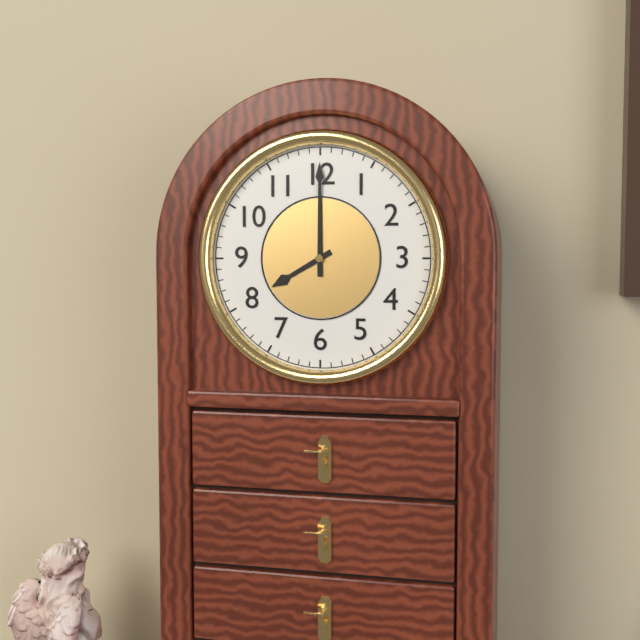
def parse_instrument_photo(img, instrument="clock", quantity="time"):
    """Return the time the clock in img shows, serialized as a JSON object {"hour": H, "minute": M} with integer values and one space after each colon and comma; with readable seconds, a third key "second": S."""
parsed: {"hour": 8, "minute": 0}
